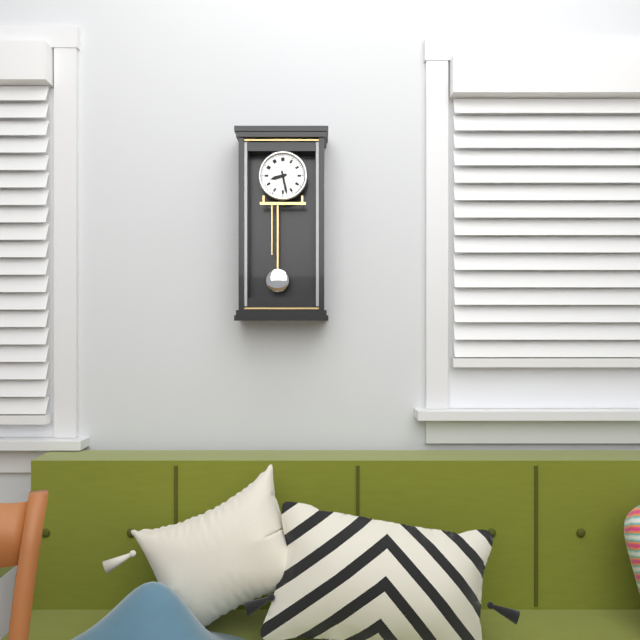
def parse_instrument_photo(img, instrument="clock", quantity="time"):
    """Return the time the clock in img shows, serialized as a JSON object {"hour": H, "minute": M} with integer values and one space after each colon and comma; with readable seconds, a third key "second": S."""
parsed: {"hour": 8, "minute": 28}
